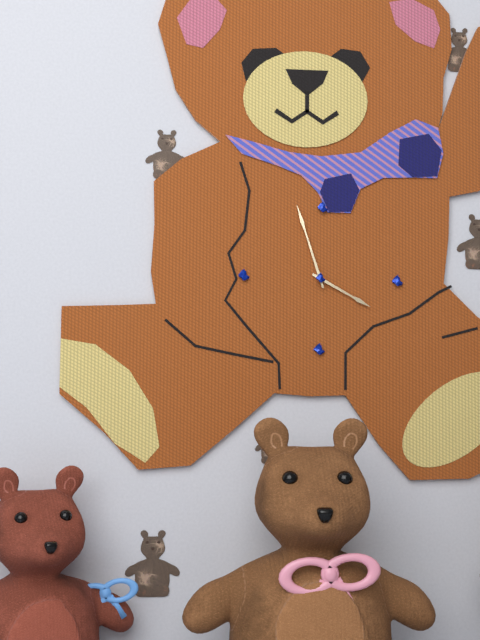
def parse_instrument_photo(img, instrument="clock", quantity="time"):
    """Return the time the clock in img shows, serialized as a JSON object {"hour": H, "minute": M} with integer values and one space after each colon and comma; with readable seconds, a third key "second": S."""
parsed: {"hour": 3, "minute": 57}
